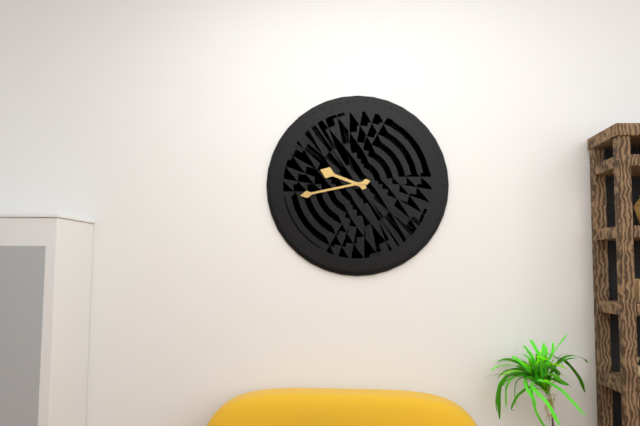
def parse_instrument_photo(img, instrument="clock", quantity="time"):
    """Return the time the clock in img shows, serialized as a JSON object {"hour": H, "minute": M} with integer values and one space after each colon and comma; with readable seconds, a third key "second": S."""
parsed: {"hour": 9, "minute": 43}
